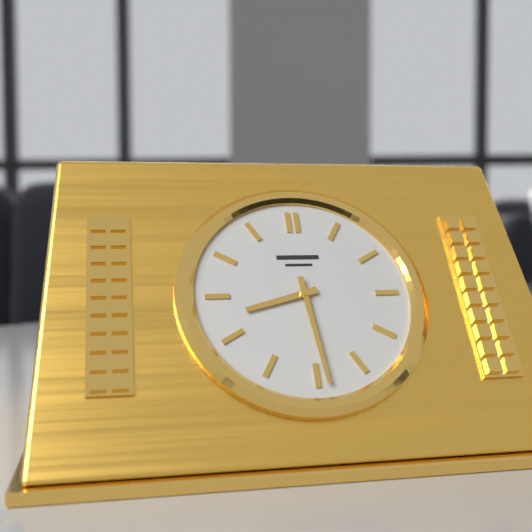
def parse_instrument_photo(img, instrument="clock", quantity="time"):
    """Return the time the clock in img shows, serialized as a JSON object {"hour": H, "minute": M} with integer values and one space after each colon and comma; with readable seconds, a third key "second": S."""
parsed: {"hour": 8, "minute": 29}
